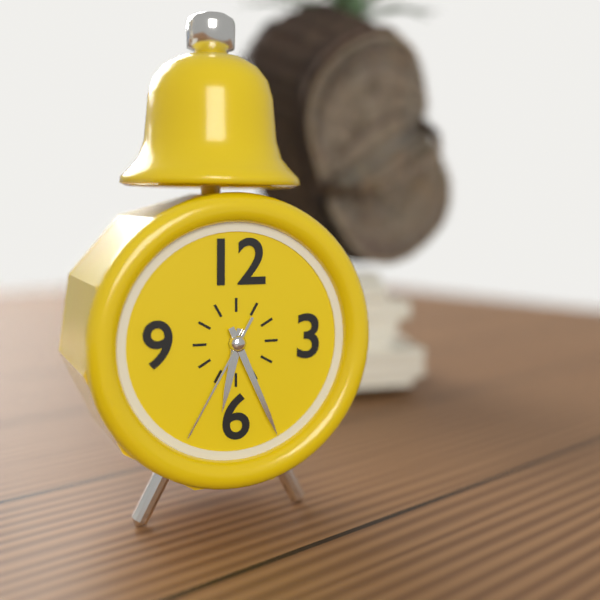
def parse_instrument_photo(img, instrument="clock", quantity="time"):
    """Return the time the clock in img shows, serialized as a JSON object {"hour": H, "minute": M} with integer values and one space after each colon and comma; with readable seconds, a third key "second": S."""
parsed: {"hour": 6, "minute": 26, "second": 35}
